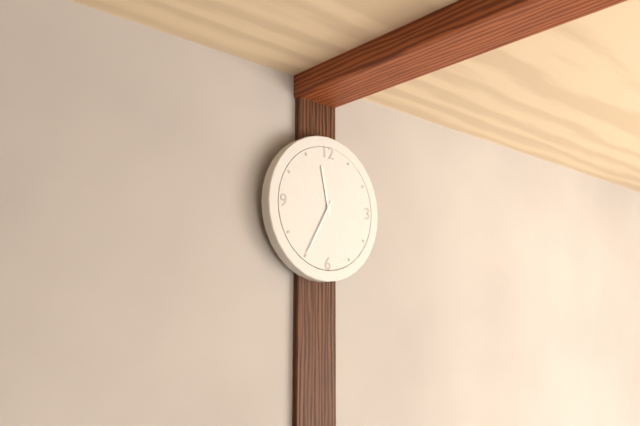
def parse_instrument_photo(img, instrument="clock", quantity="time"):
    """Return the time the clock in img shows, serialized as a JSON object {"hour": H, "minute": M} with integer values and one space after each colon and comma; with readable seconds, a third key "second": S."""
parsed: {"hour": 11, "minute": 35}
